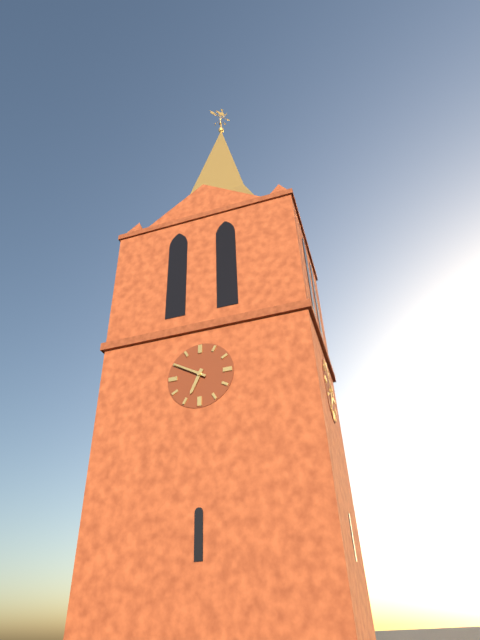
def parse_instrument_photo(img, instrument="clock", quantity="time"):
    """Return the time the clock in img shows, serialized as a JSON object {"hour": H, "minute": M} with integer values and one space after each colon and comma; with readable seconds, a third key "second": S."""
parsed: {"hour": 6, "minute": 50}
